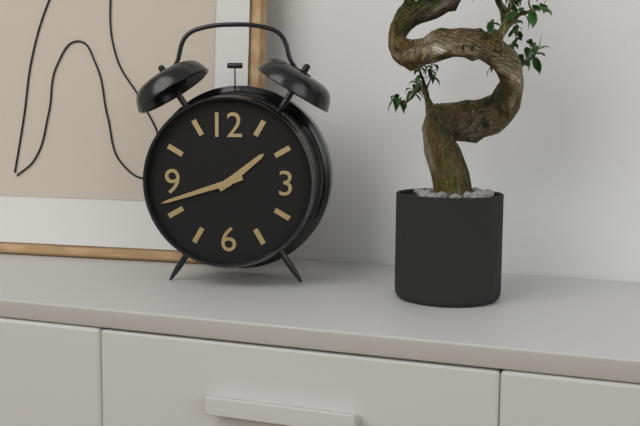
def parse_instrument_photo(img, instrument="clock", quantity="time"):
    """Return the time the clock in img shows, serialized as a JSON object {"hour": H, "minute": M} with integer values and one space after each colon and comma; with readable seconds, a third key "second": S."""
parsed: {"hour": 1, "minute": 42}
